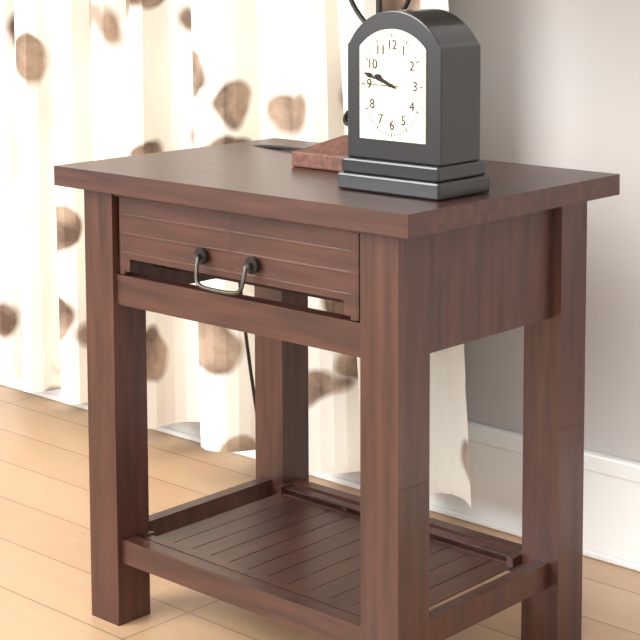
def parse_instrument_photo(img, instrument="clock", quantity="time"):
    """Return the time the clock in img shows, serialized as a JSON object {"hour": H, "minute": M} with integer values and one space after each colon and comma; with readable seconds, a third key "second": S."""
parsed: {"hour": 9, "minute": 48}
